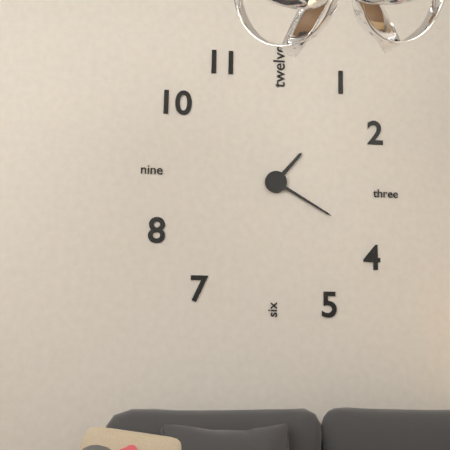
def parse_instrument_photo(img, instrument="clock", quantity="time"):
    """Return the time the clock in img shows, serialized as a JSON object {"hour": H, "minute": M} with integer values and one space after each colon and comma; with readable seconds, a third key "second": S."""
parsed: {"hour": 1, "minute": 20}
